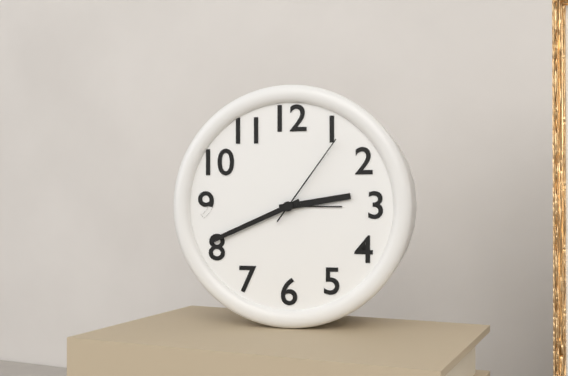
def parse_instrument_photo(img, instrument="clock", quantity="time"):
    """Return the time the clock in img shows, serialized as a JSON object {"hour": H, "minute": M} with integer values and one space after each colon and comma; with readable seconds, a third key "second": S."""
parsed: {"hour": 2, "minute": 41, "second": 6}
